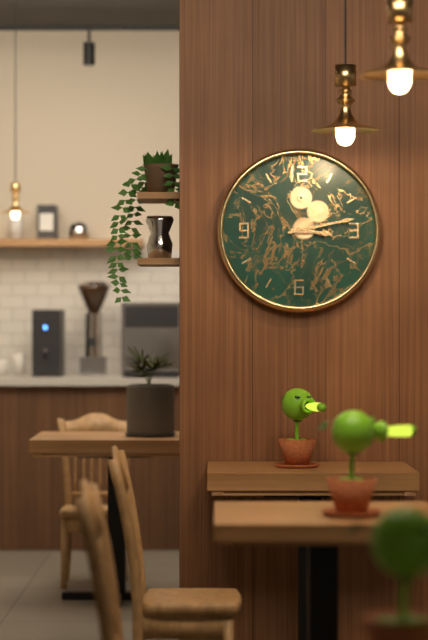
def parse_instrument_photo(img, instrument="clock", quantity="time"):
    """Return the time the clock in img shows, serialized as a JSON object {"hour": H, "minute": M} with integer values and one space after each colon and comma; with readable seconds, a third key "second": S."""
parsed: {"hour": 3, "minute": 13}
